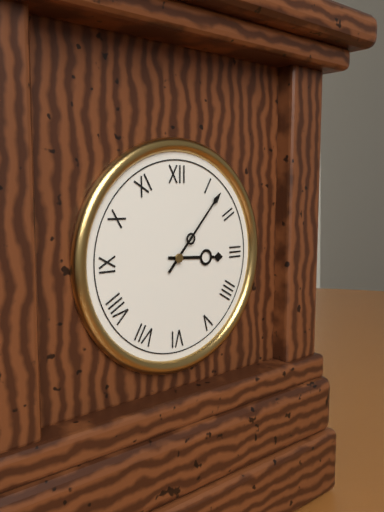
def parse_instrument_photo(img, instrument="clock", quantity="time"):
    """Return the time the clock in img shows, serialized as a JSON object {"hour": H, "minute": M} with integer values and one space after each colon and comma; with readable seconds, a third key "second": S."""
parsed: {"hour": 3, "minute": 7}
